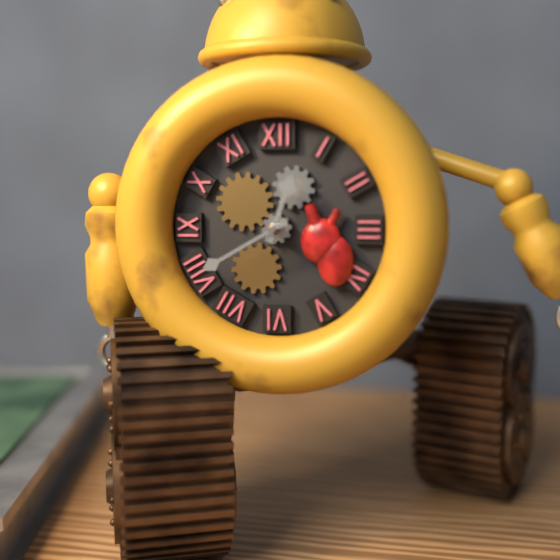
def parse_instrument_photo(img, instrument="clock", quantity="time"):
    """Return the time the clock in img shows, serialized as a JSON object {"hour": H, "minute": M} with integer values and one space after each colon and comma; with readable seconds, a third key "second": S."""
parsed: {"hour": 12, "minute": 40}
